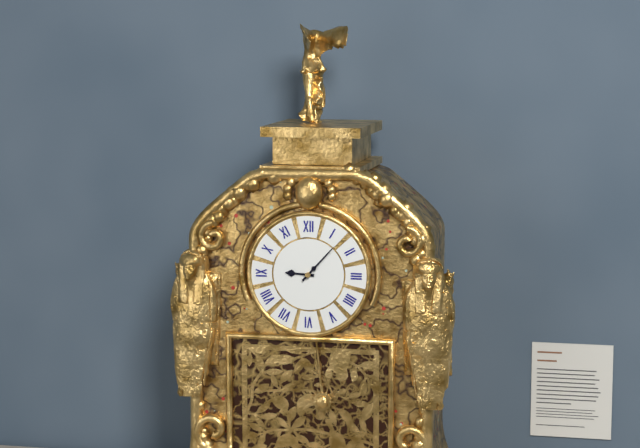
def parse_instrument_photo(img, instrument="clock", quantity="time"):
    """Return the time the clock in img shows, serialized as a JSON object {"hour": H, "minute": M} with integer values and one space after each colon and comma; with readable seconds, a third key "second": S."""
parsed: {"hour": 9, "minute": 7}
